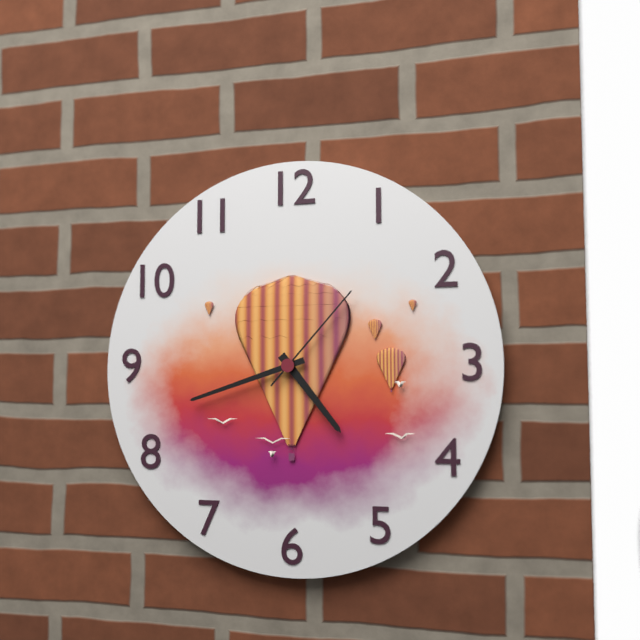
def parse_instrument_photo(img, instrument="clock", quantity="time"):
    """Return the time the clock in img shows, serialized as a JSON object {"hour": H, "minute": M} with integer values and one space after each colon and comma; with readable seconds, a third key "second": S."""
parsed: {"hour": 4, "minute": 42, "second": 7}
